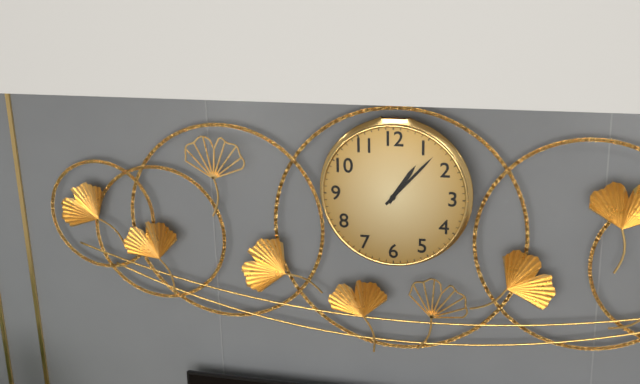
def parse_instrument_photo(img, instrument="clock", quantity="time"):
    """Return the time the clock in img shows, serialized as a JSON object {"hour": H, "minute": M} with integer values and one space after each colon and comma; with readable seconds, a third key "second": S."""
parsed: {"hour": 1, "minute": 7}
